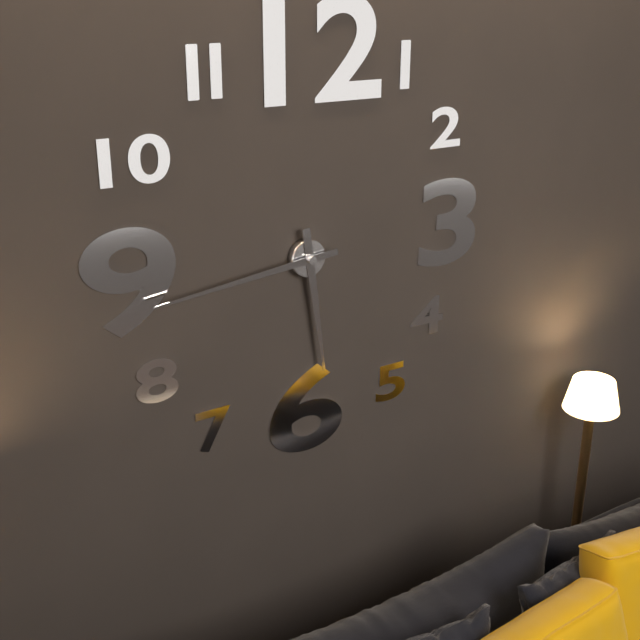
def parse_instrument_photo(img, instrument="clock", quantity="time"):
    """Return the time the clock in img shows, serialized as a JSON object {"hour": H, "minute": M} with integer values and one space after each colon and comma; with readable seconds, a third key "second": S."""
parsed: {"hour": 5, "minute": 44}
